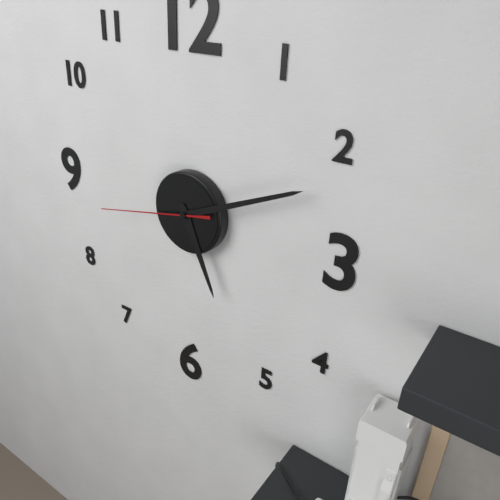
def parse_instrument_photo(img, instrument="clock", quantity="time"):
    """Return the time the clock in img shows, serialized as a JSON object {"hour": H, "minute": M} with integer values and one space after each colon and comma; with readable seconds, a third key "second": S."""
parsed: {"hour": 5, "minute": 11, "second": 43}
